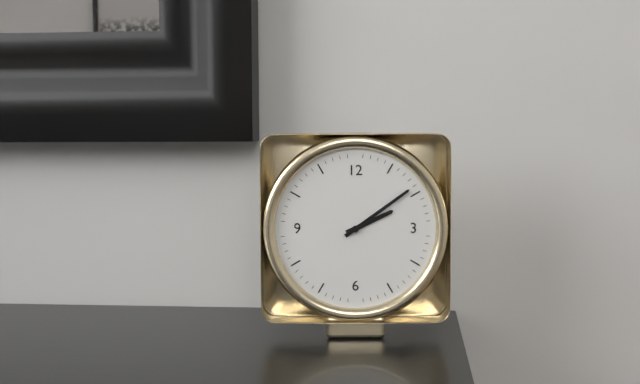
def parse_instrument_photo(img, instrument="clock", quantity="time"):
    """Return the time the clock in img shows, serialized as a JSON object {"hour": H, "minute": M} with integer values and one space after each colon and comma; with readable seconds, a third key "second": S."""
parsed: {"hour": 2, "minute": 9}
